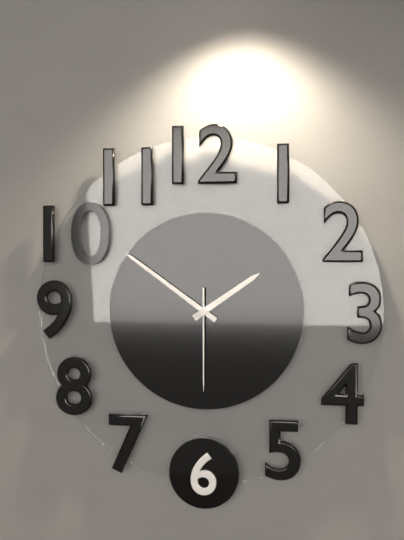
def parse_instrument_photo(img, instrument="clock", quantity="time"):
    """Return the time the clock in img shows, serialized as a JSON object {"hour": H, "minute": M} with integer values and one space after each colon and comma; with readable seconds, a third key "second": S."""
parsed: {"hour": 1, "minute": 51, "second": 30}
